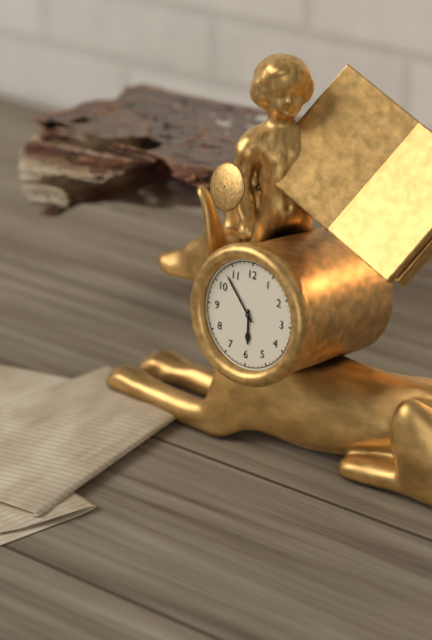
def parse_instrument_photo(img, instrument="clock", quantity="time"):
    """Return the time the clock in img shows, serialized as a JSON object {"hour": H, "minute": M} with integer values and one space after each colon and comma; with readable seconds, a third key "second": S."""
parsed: {"hour": 5, "minute": 53}
